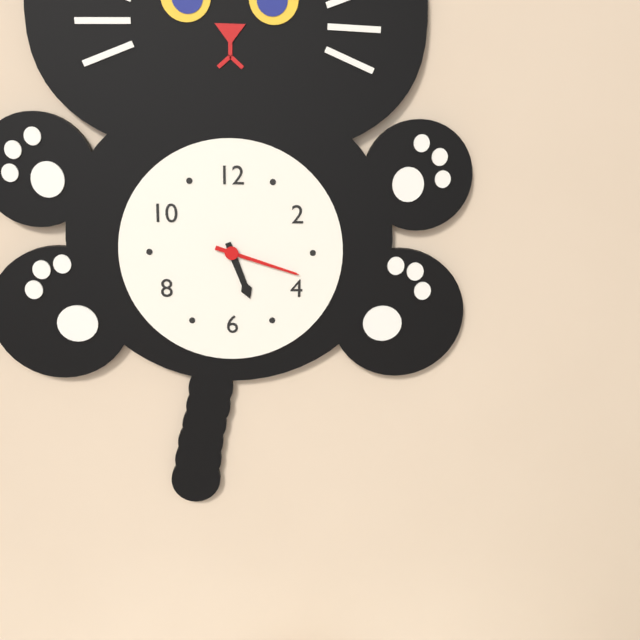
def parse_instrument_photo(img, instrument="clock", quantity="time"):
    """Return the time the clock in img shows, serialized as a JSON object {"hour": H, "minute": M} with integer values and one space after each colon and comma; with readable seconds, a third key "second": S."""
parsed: {"hour": 5, "minute": 18}
